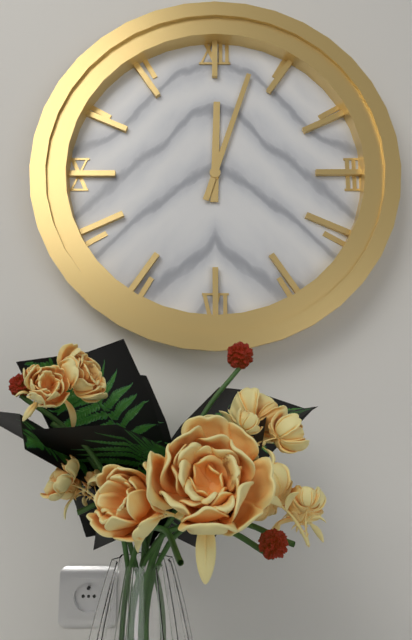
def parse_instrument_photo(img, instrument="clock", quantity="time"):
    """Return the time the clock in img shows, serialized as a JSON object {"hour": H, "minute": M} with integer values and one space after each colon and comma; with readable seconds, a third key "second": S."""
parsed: {"hour": 12, "minute": 3}
